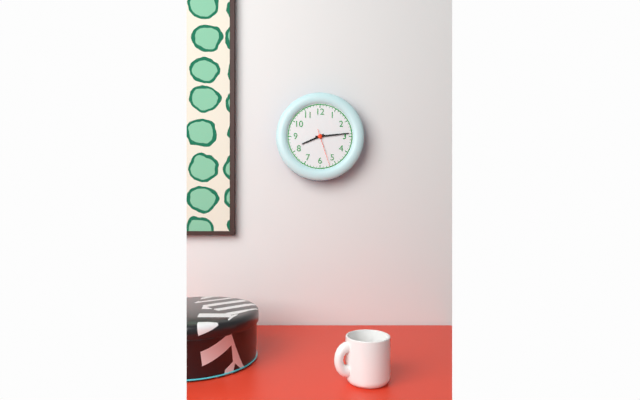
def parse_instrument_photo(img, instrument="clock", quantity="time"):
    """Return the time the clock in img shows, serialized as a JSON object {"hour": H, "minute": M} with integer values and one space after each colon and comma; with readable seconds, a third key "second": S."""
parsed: {"hour": 8, "minute": 14}
